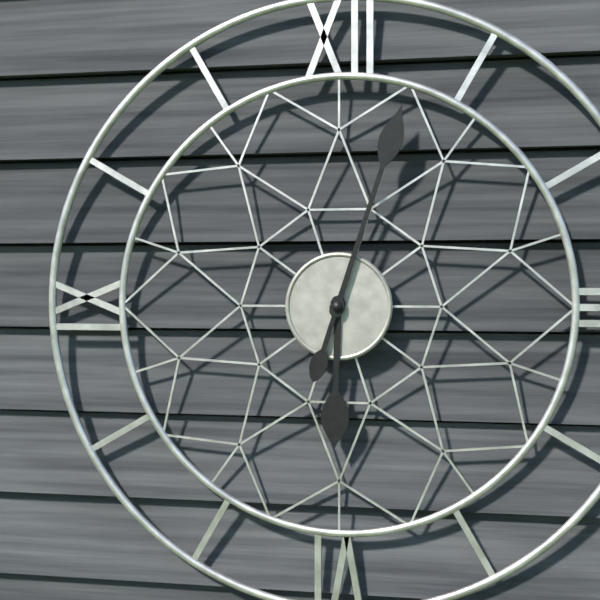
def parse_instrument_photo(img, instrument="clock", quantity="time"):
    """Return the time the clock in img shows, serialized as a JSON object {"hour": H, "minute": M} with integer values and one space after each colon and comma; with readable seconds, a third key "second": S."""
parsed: {"hour": 6, "minute": 3}
